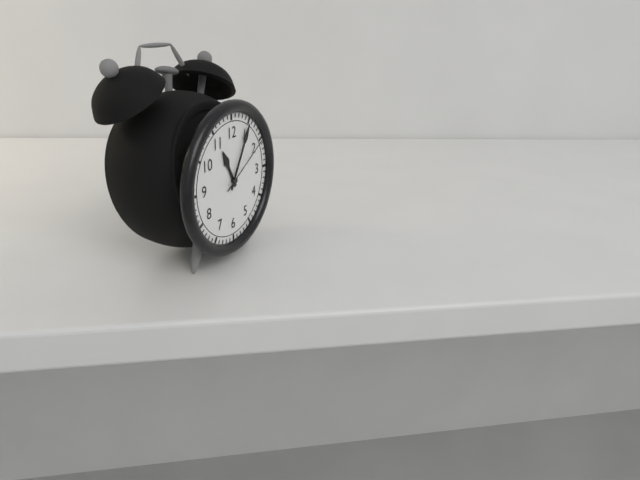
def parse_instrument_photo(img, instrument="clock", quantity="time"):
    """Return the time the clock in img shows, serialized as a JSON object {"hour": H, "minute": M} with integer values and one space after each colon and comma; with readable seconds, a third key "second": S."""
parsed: {"hour": 11, "minute": 5, "second": 10}
